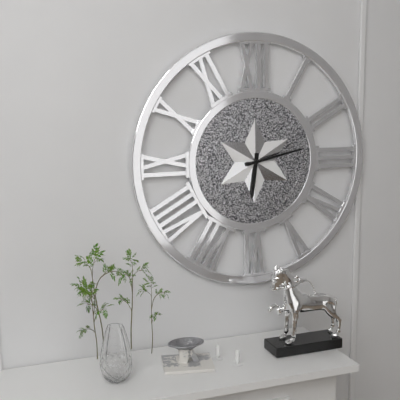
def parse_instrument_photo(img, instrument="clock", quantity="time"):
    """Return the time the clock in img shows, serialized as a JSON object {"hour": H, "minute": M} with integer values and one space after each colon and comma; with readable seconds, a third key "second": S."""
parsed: {"hour": 6, "minute": 13}
